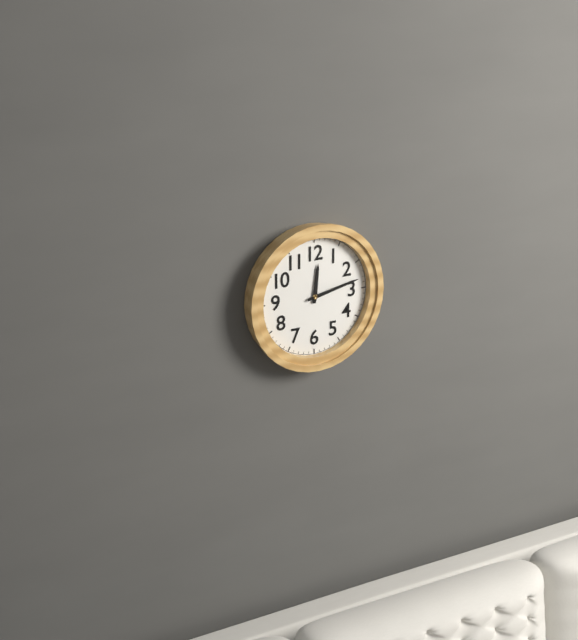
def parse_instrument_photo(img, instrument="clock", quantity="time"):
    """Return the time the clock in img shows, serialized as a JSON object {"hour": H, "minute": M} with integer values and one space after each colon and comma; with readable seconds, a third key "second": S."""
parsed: {"hour": 12, "minute": 13}
